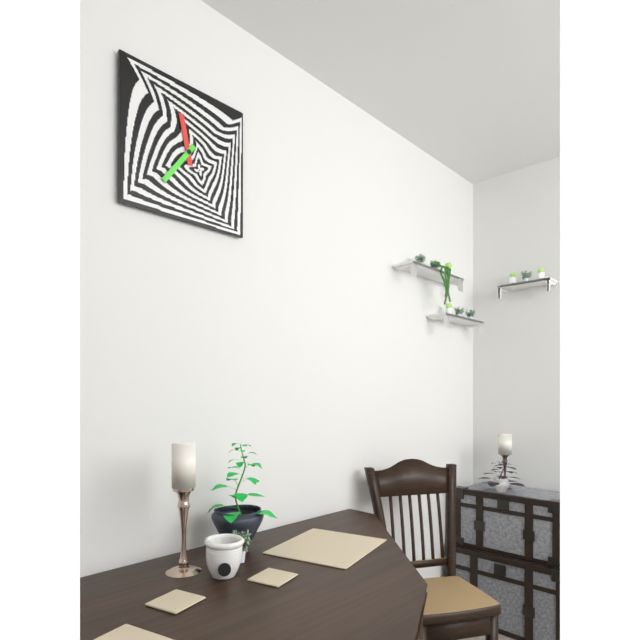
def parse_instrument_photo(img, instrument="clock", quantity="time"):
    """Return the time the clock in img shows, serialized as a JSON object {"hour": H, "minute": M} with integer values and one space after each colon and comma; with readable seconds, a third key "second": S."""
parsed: {"hour": 11, "minute": 36}
